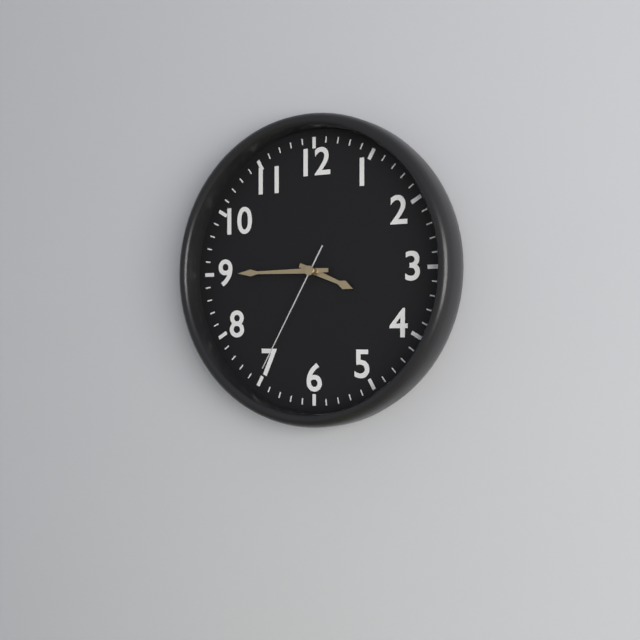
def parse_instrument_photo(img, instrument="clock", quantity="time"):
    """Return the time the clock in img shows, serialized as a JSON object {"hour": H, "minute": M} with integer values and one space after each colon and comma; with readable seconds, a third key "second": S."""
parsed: {"hour": 3, "minute": 45, "second": 35}
